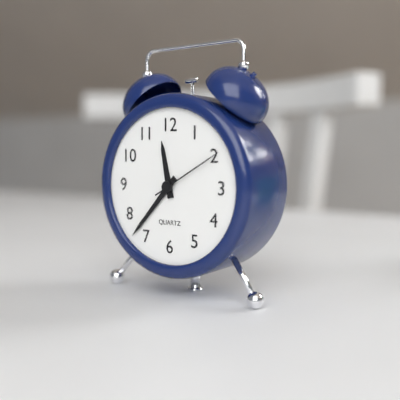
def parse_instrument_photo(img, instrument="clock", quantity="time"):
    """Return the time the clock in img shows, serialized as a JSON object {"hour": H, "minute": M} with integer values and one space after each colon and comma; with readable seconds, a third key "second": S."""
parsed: {"hour": 11, "minute": 37, "second": 10}
